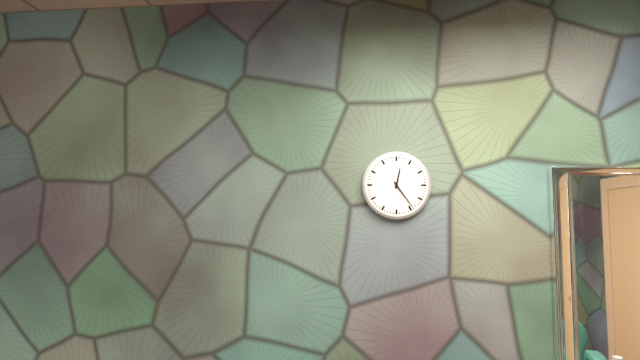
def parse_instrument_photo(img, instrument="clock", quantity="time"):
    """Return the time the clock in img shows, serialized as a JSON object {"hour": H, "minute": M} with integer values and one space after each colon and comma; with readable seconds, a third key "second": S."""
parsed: {"hour": 12, "minute": 24}
